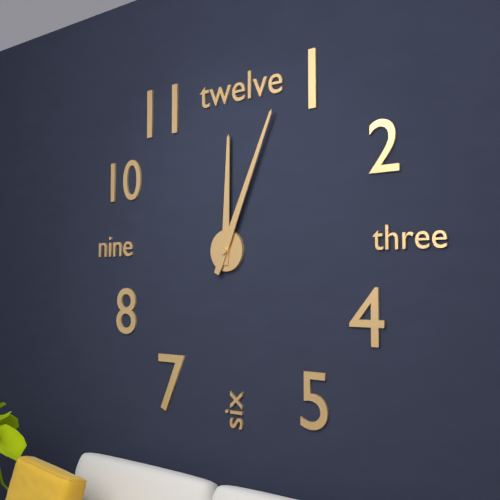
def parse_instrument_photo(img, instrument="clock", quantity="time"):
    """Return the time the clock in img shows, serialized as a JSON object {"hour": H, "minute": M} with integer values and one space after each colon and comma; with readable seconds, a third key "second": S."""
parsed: {"hour": 12, "minute": 4}
